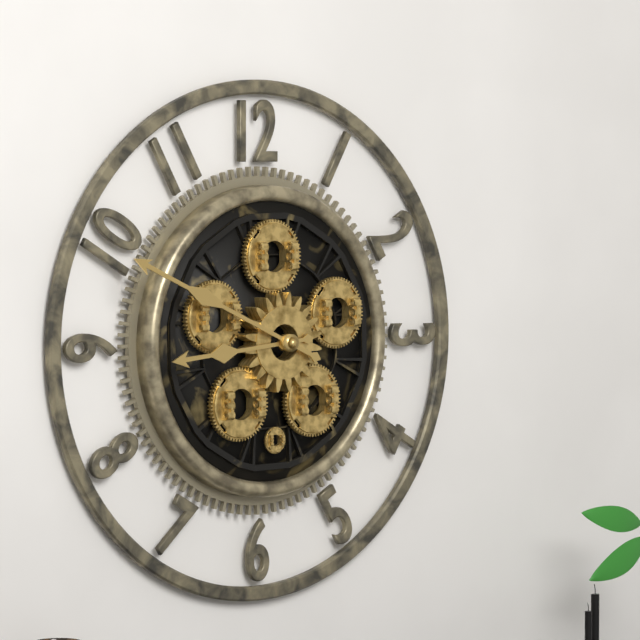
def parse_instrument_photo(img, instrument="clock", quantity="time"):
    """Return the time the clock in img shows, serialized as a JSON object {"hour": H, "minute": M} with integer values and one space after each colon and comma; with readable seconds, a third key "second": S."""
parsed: {"hour": 8, "minute": 49}
